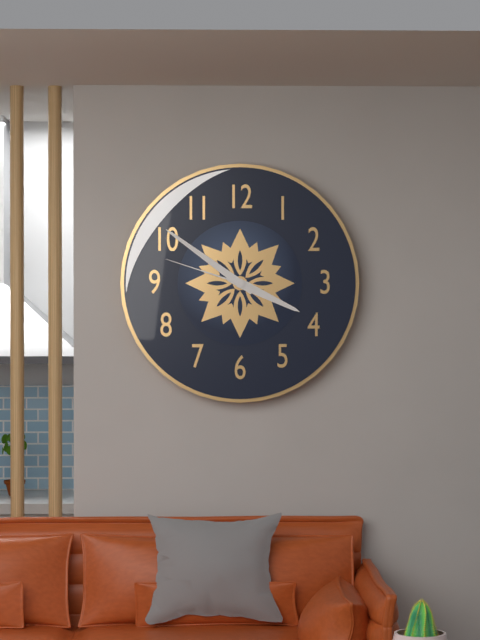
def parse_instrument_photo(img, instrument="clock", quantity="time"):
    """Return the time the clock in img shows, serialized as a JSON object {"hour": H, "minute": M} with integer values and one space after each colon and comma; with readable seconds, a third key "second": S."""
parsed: {"hour": 3, "minute": 51, "second": 48}
